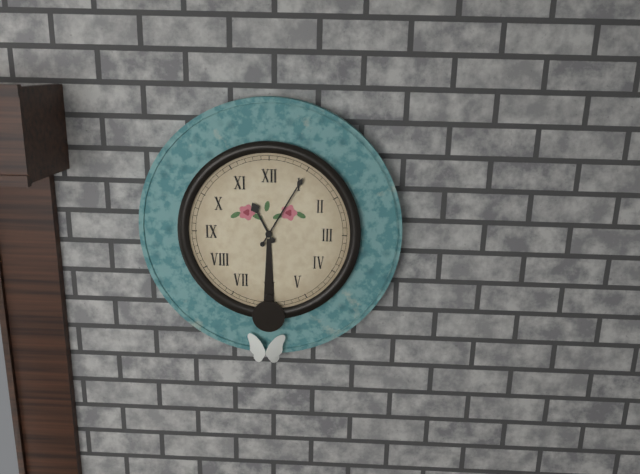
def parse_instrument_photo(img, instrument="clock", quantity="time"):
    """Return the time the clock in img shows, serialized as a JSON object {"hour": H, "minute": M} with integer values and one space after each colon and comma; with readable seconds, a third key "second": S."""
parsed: {"hour": 11, "minute": 5}
